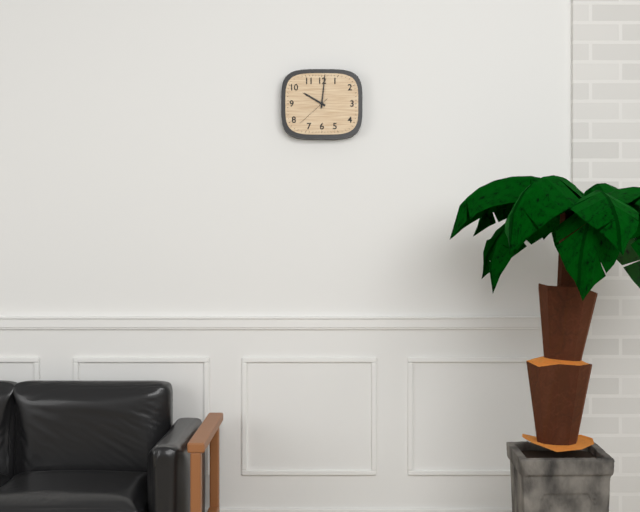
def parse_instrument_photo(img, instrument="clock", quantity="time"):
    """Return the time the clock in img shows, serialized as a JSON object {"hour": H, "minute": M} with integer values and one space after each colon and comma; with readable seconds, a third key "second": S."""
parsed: {"hour": 10, "minute": 1}
